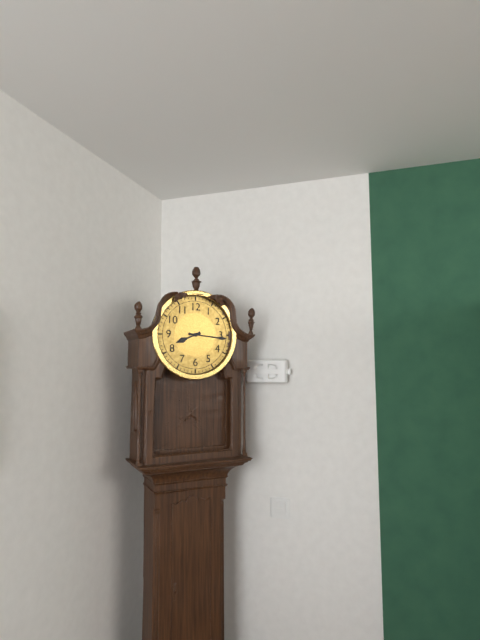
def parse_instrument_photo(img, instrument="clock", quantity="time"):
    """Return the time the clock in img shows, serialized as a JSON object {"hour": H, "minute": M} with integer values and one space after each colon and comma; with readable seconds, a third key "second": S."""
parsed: {"hour": 8, "minute": 16}
